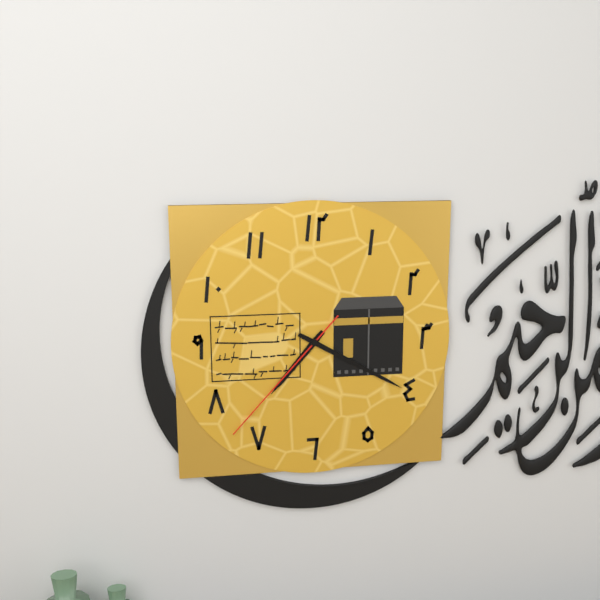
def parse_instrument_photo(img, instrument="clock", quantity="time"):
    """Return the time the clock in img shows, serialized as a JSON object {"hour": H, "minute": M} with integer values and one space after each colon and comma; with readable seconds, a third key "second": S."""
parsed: {"hour": 7, "minute": 20, "second": 37}
